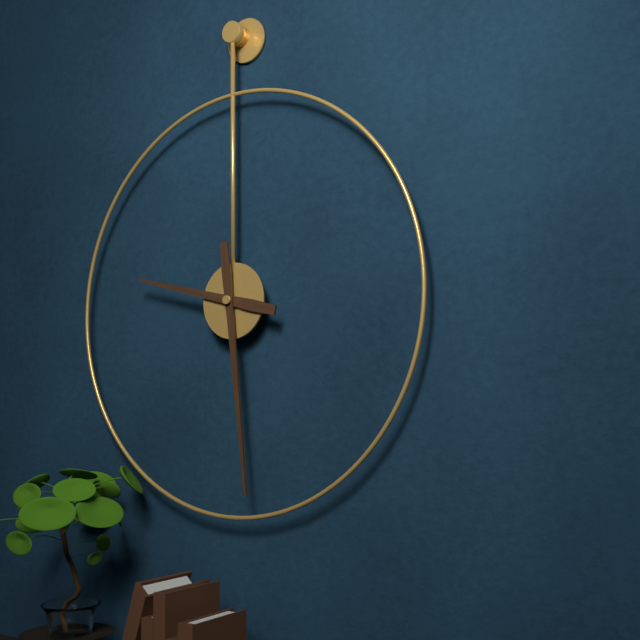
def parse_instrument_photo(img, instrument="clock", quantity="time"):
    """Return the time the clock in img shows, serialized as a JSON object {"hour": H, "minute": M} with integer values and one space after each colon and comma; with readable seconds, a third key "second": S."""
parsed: {"hour": 9, "minute": 29}
